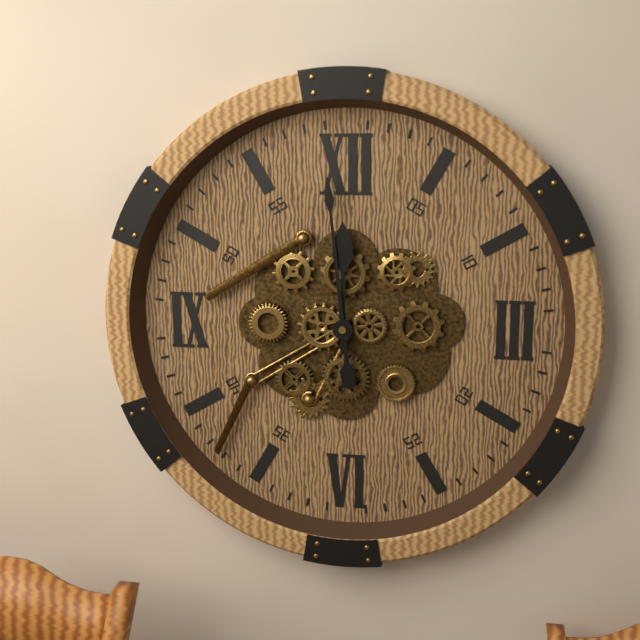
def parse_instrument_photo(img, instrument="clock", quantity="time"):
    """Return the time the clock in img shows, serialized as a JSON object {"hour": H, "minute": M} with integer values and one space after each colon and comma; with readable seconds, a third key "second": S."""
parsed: {"hour": 11, "minute": 59}
